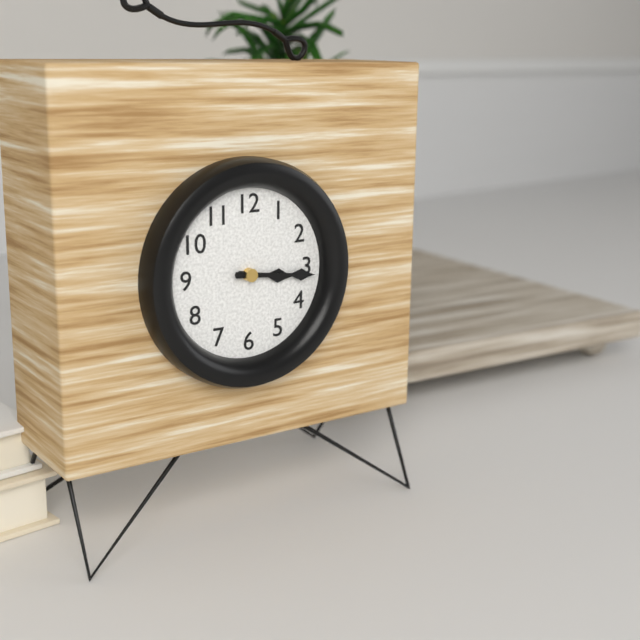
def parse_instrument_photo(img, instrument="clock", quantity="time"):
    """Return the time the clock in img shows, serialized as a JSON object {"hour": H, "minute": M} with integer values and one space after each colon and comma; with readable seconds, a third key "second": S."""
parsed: {"hour": 3, "minute": 16}
